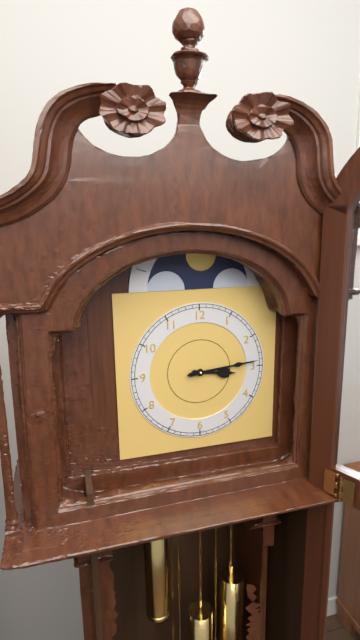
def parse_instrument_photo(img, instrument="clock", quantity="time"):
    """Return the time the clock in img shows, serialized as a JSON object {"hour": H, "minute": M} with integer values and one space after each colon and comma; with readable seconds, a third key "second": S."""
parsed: {"hour": 3, "minute": 14}
